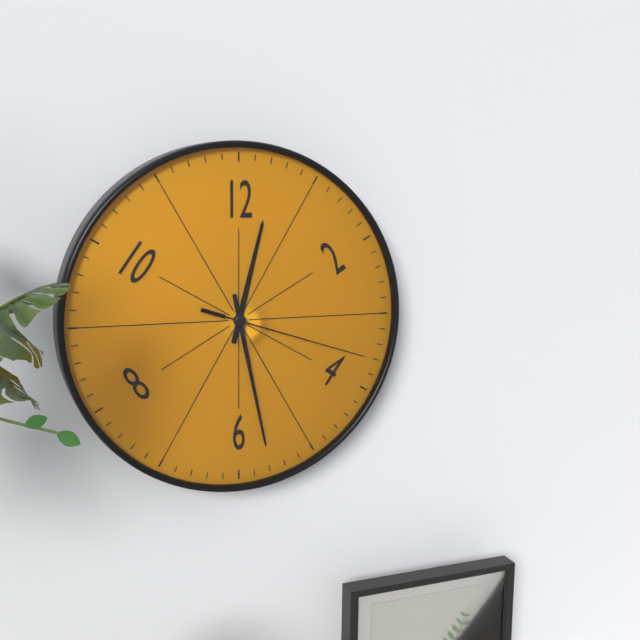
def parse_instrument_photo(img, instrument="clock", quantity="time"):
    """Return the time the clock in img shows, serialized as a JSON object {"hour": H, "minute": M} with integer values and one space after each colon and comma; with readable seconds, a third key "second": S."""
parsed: {"hour": 12, "minute": 28, "second": 18}
